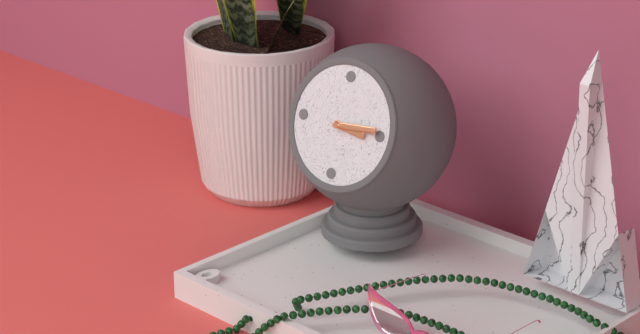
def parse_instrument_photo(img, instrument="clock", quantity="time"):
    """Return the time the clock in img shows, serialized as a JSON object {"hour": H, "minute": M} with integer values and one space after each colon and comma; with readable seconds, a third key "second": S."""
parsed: {"hour": 3, "minute": 14}
